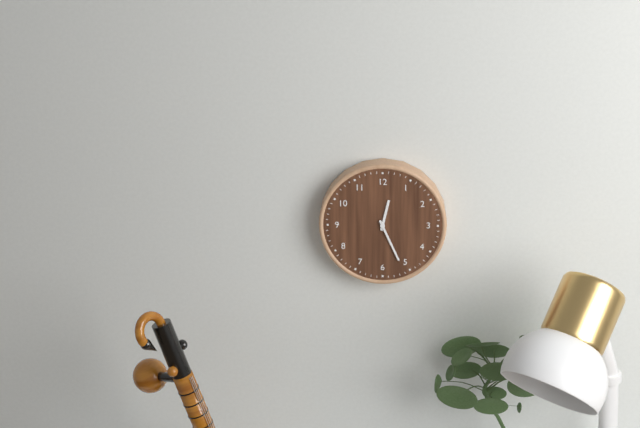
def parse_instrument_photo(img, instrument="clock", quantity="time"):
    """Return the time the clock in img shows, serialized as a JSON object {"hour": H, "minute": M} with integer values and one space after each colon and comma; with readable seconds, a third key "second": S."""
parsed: {"hour": 12, "minute": 26}
